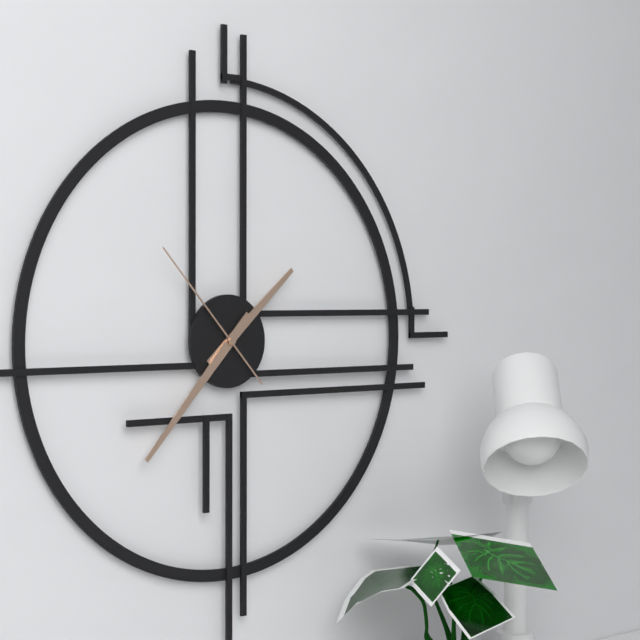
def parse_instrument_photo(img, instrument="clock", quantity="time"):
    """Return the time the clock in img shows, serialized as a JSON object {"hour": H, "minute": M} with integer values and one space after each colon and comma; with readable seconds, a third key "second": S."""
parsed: {"hour": 1, "minute": 37, "second": 53}
